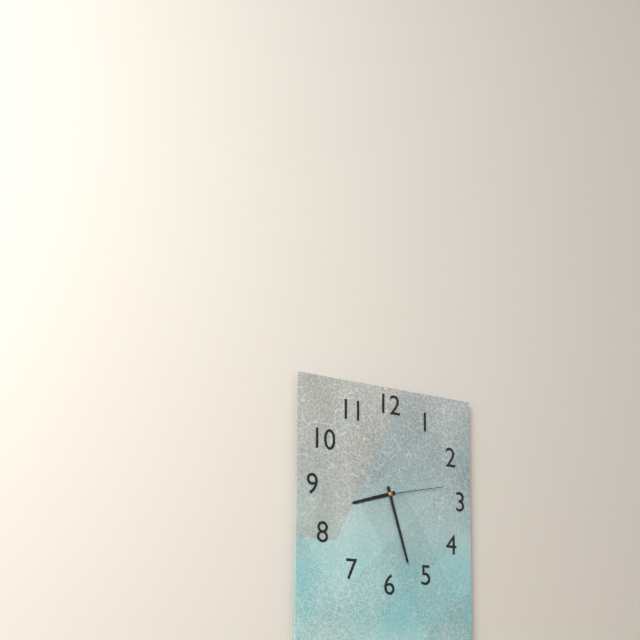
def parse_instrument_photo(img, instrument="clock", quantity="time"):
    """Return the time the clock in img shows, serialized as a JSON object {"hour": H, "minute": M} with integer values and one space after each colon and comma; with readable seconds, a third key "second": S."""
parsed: {"hour": 8, "minute": 27, "second": 13}
